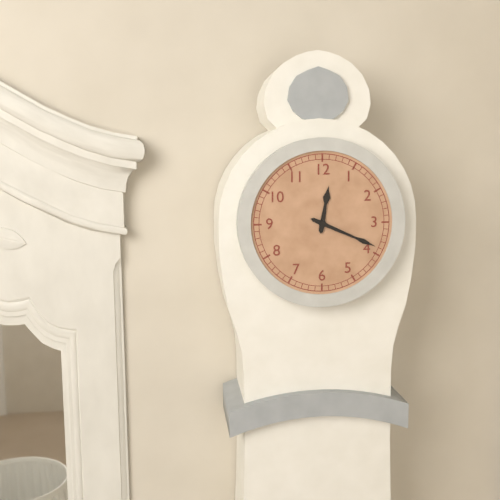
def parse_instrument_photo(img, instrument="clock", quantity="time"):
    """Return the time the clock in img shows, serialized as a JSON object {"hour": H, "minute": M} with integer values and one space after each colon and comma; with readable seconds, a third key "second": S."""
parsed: {"hour": 12, "minute": 19}
